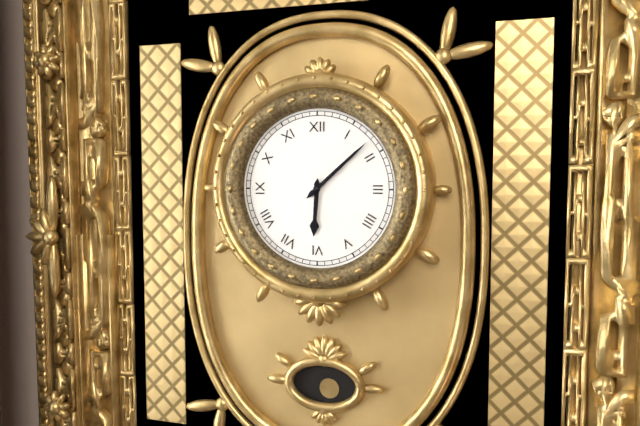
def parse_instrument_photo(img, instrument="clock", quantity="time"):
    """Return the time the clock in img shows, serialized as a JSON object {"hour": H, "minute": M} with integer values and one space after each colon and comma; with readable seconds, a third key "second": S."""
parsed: {"hour": 6, "minute": 8}
